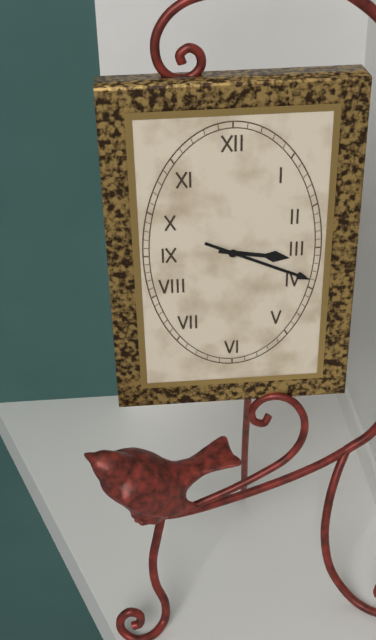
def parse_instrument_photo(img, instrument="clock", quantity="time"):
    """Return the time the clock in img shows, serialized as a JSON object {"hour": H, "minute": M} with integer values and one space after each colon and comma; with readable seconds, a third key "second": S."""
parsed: {"hour": 3, "minute": 19}
